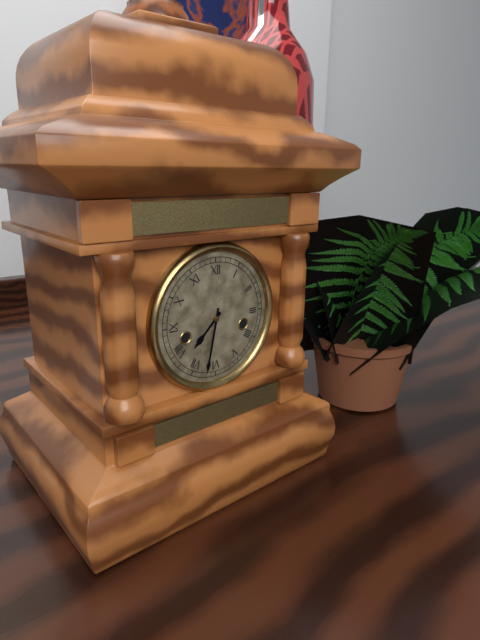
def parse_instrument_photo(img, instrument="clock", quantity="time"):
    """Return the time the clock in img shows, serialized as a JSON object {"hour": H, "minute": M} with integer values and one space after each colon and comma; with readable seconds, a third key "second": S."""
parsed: {"hour": 7, "minute": 32}
